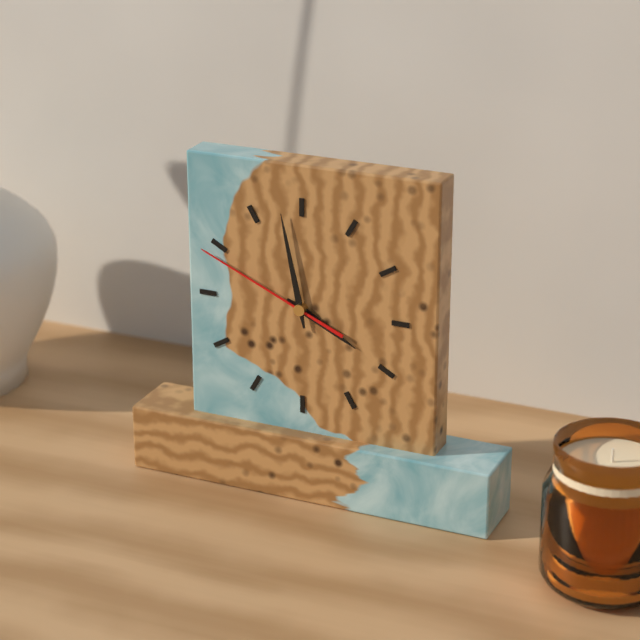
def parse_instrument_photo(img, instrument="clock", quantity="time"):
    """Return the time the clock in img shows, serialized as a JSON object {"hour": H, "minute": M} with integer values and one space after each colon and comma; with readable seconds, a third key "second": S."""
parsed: {"hour": 3, "minute": 58, "second": 49}
